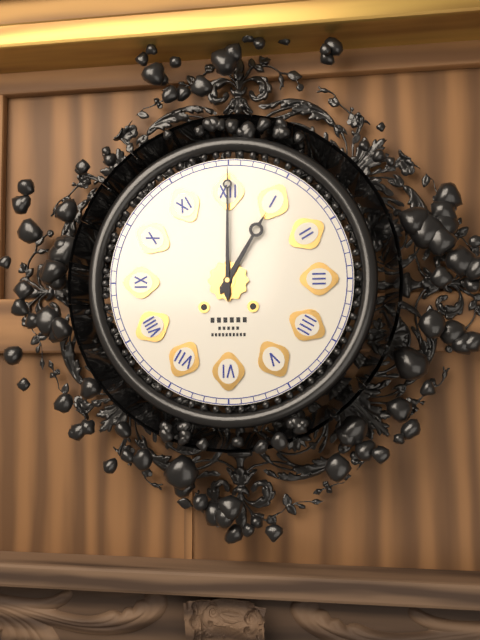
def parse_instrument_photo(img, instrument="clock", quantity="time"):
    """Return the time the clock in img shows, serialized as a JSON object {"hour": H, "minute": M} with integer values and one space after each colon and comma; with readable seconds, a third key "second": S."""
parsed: {"hour": 1, "minute": 0}
